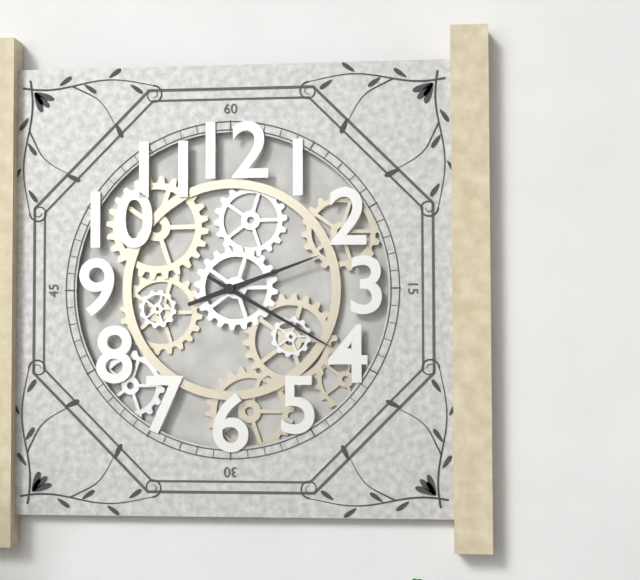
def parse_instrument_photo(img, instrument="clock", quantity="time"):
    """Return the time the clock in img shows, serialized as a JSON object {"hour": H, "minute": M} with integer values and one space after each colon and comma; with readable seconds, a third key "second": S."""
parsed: {"hour": 2, "minute": 20}
